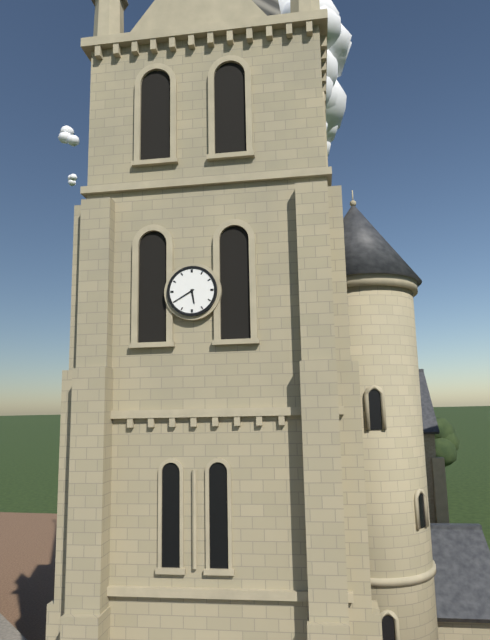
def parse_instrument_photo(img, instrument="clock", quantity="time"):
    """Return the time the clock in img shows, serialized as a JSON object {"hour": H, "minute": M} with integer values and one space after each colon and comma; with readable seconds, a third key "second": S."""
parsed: {"hour": 5, "minute": 40}
